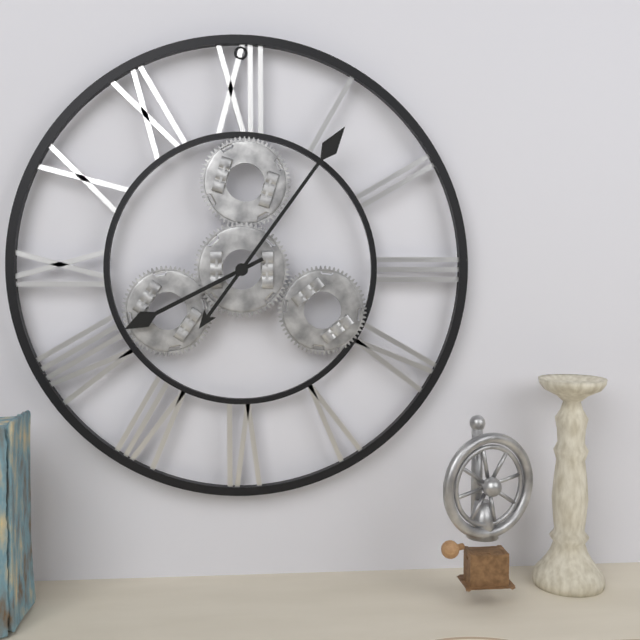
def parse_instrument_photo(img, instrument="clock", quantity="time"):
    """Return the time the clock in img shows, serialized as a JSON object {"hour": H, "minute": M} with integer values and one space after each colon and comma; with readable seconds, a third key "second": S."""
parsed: {"hour": 8, "minute": 6}
